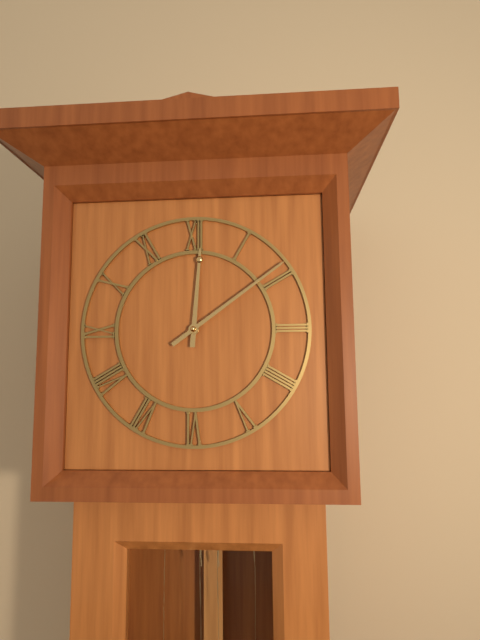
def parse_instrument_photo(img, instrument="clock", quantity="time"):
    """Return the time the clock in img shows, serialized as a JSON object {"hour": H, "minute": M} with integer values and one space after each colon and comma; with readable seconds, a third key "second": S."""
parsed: {"hour": 12, "minute": 9}
